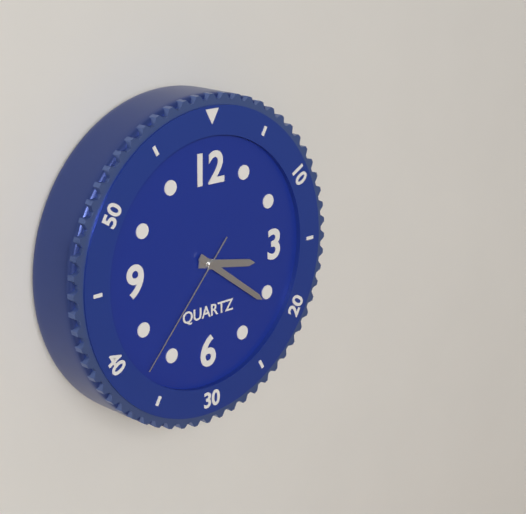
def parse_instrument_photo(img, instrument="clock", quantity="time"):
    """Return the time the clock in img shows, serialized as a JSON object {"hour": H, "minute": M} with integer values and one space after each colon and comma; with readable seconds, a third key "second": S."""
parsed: {"hour": 3, "minute": 21, "second": 37}
